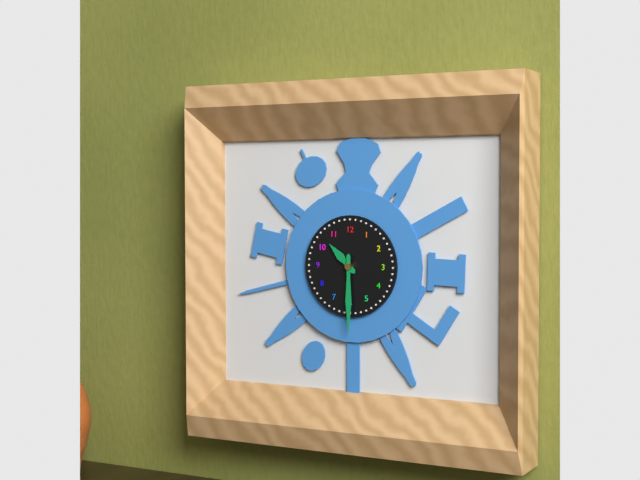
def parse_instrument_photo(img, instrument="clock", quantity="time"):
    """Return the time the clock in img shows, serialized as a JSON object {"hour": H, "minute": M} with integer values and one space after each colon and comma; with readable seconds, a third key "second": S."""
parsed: {"hour": 10, "minute": 30}
